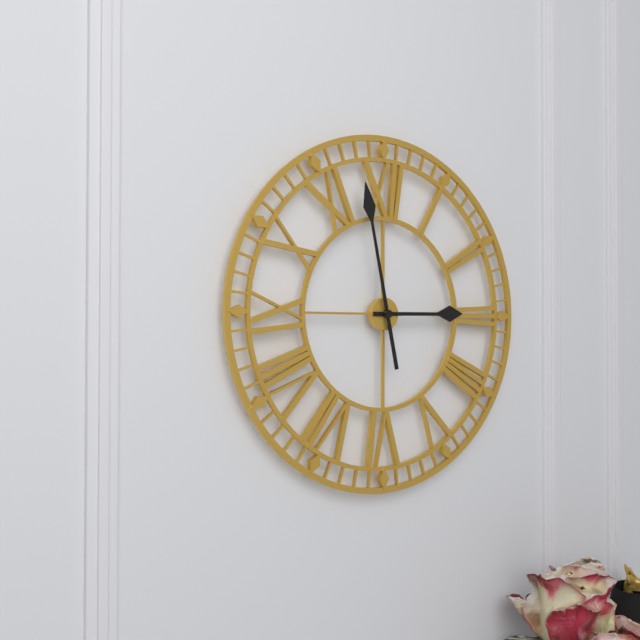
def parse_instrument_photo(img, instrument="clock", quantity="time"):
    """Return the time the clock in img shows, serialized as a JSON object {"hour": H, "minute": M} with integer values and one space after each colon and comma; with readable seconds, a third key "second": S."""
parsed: {"hour": 2, "minute": 58}
